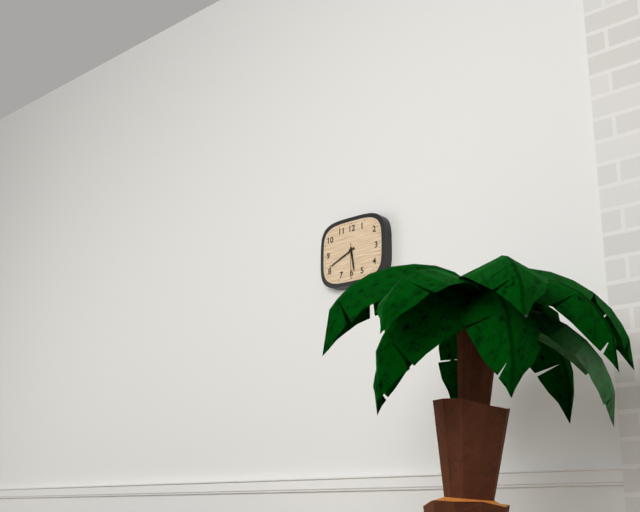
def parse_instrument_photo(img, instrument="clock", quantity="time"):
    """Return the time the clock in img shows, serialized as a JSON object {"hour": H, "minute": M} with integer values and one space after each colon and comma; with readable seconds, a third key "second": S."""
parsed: {"hour": 5, "minute": 41}
